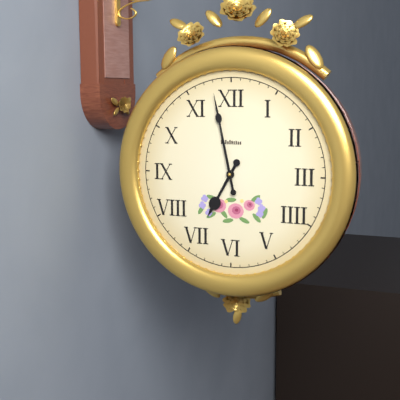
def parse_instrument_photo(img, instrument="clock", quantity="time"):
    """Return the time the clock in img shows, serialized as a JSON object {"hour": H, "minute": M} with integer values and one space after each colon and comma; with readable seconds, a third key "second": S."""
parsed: {"hour": 6, "minute": 58}
